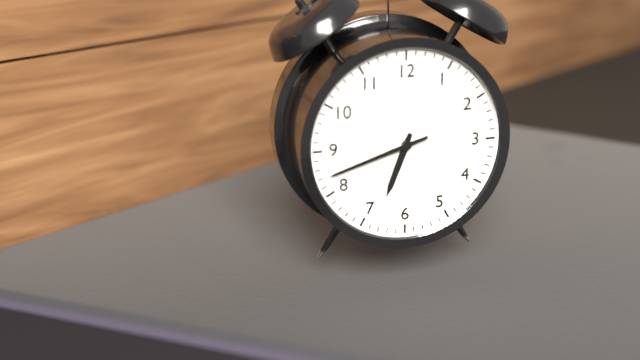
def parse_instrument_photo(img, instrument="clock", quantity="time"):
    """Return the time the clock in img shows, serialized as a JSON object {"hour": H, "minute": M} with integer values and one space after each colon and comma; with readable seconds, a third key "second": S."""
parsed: {"hour": 6, "minute": 42}
